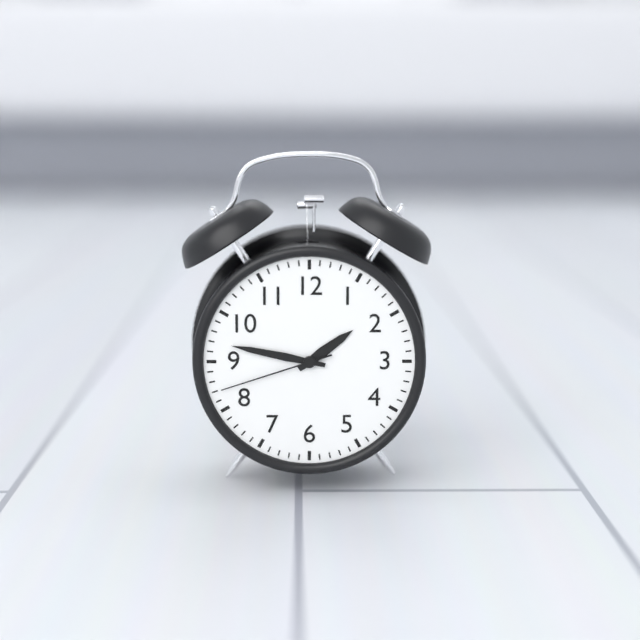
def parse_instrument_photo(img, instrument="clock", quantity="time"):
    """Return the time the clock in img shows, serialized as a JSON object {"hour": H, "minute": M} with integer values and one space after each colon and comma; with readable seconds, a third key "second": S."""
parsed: {"hour": 1, "minute": 47, "second": 42}
